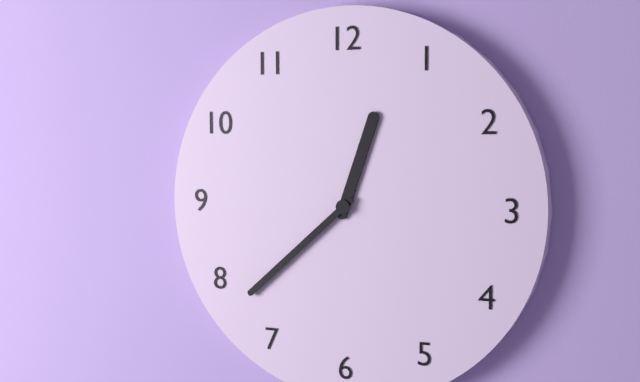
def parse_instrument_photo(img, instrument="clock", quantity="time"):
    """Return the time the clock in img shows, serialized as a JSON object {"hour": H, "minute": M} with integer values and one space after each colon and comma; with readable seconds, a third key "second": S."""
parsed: {"hour": 12, "minute": 38}
